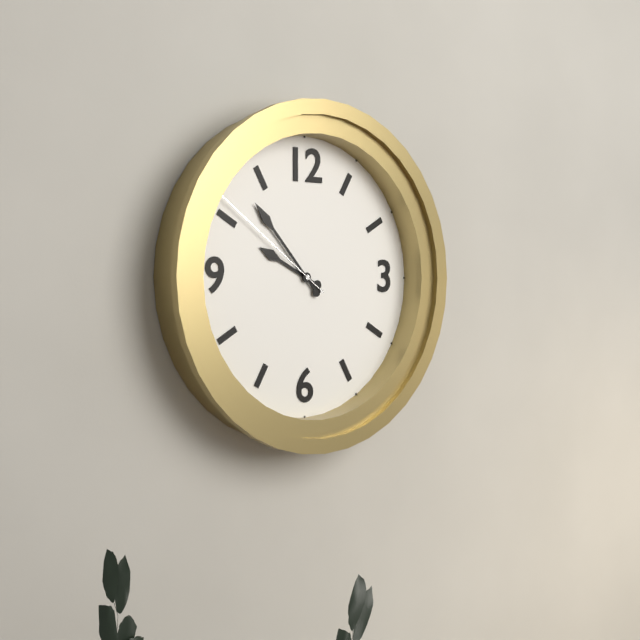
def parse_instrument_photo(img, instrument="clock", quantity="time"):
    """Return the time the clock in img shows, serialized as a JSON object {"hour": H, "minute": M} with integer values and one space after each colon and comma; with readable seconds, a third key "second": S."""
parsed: {"hour": 9, "minute": 53, "second": 51}
